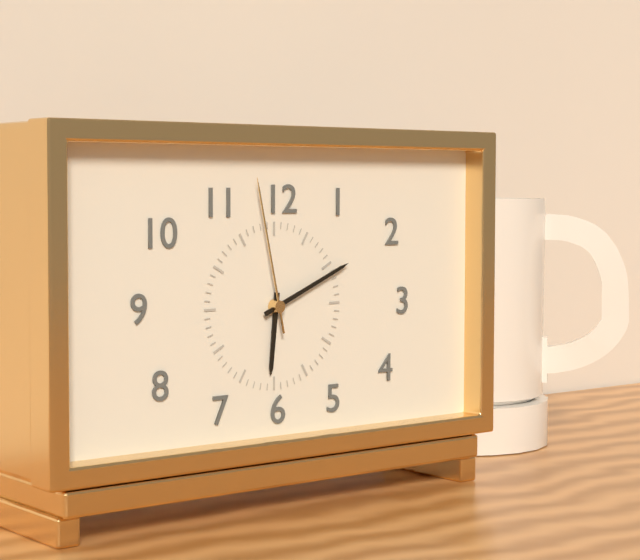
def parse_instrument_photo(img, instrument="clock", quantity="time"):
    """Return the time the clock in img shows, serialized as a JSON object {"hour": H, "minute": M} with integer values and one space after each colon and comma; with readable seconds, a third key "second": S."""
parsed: {"hour": 6, "minute": 11, "second": 58}
